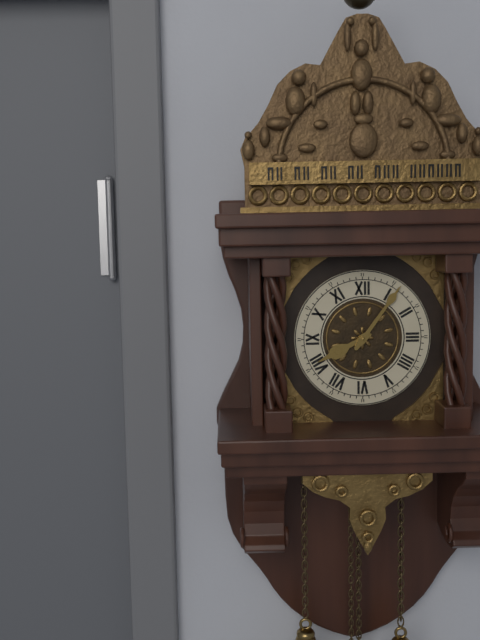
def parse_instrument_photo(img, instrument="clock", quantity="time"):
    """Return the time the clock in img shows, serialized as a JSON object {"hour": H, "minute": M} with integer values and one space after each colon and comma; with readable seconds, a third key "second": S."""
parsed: {"hour": 8, "minute": 6}
